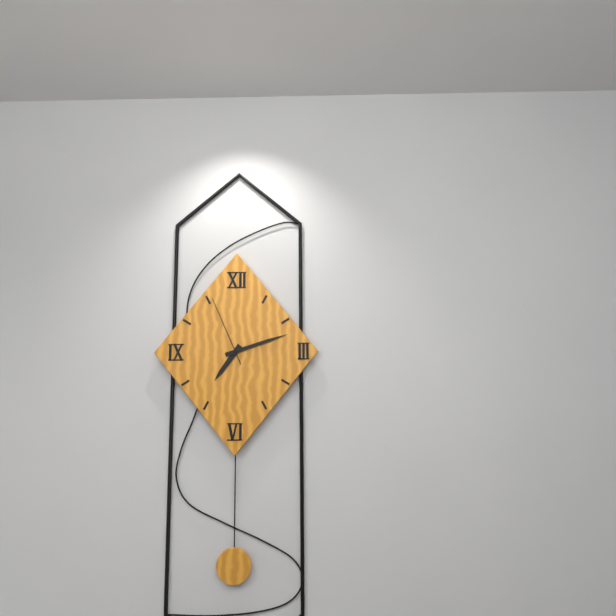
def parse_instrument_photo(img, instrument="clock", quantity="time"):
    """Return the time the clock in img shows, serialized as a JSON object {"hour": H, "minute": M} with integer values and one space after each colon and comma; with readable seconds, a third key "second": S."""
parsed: {"hour": 7, "minute": 12, "second": 56}
